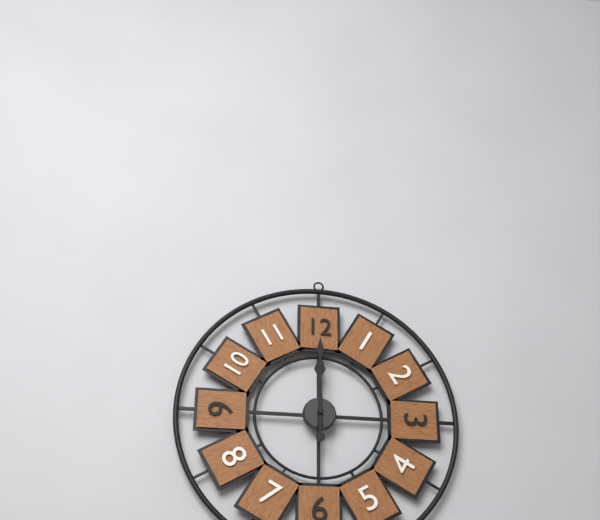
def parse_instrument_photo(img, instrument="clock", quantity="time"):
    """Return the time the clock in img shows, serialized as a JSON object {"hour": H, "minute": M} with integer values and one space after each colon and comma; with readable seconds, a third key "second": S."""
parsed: {"hour": 12, "minute": 0}
